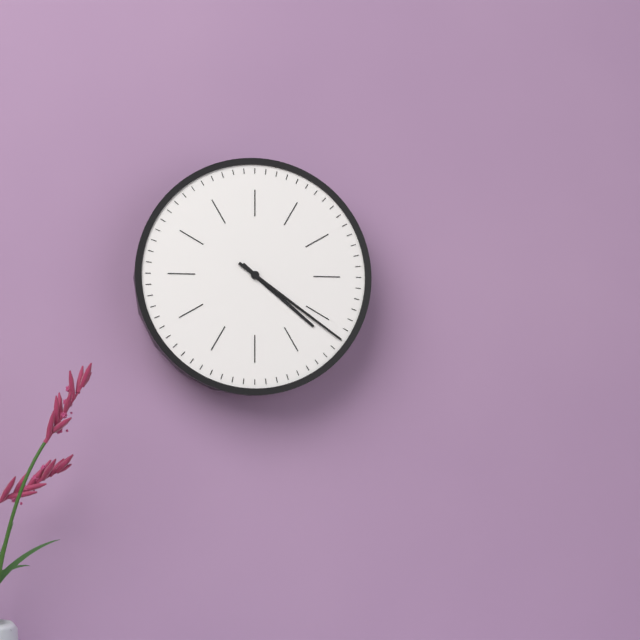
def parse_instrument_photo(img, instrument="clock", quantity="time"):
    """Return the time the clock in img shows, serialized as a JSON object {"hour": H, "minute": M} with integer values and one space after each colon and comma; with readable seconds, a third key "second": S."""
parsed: {"hour": 4, "minute": 21}
